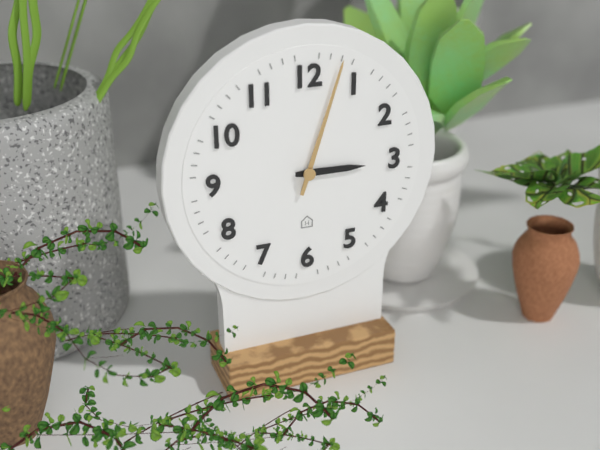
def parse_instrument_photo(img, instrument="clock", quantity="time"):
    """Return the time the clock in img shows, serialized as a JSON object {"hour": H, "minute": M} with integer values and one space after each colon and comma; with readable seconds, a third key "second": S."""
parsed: {"hour": 3, "minute": 3}
